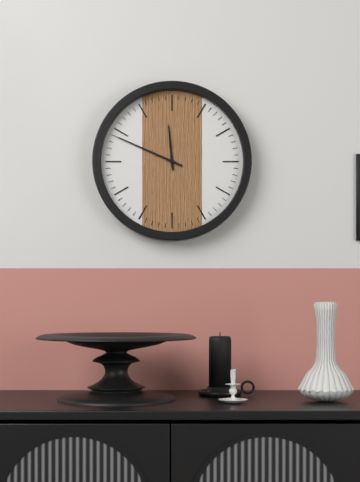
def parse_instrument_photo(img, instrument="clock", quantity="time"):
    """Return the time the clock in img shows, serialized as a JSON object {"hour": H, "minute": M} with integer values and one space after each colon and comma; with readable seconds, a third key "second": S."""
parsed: {"hour": 11, "minute": 49}
